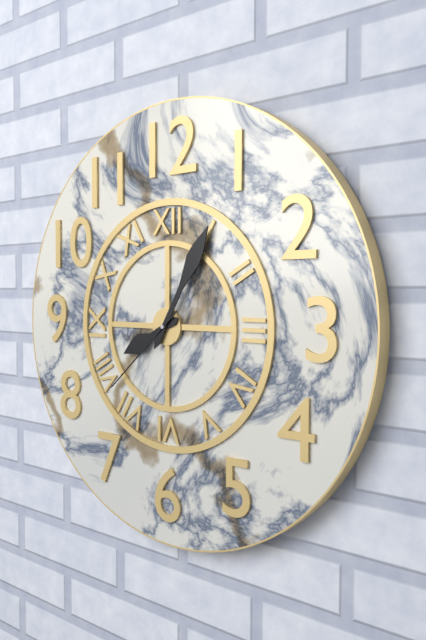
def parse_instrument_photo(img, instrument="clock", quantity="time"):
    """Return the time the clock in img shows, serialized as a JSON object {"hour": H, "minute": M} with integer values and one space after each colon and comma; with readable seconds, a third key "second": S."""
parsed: {"hour": 8, "minute": 5, "second": 38}
